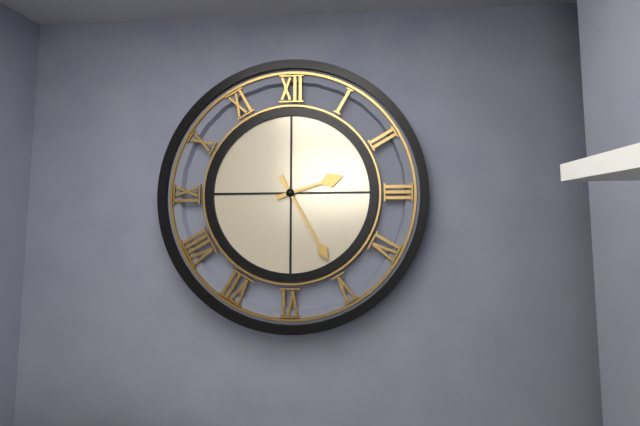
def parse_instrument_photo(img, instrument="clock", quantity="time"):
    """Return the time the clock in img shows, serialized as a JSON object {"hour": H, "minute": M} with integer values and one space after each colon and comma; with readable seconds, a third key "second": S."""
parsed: {"hour": 2, "minute": 25}
